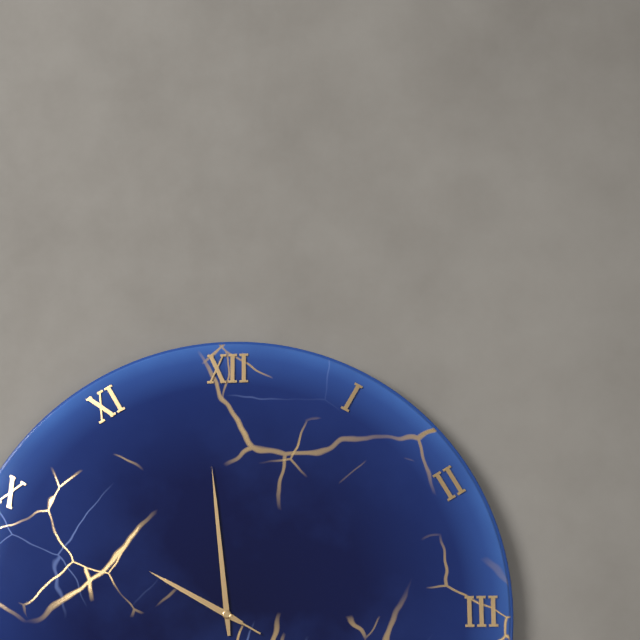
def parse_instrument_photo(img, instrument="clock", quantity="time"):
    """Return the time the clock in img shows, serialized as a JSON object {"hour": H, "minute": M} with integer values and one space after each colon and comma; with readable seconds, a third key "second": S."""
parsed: {"hour": 9, "minute": 59, "second": 50}
